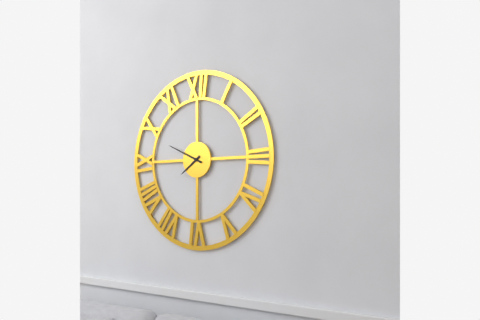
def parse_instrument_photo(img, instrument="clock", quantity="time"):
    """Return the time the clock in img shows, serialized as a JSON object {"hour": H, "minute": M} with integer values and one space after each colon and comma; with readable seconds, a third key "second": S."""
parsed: {"hour": 7, "minute": 49}
